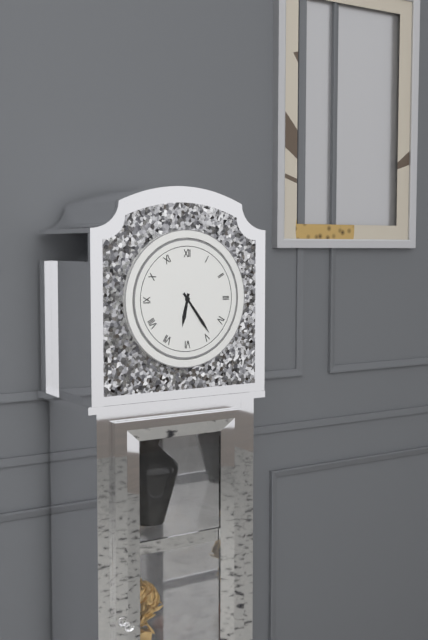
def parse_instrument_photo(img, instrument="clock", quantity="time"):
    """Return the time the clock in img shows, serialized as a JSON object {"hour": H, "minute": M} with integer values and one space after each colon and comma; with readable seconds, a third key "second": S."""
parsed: {"hour": 6, "minute": 24}
